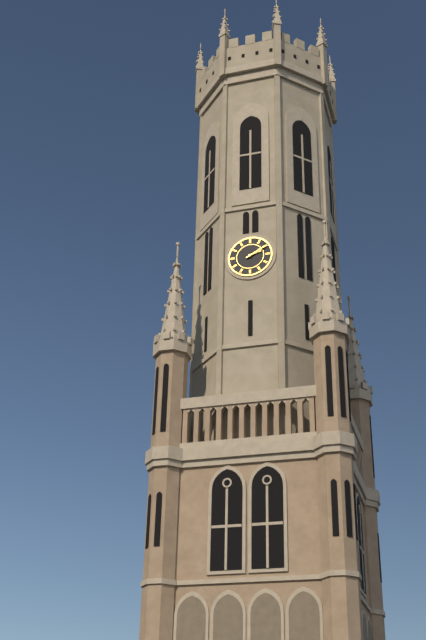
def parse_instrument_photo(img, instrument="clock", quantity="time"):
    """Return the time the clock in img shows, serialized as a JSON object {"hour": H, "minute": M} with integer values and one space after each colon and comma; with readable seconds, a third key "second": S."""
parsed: {"hour": 2, "minute": 10}
